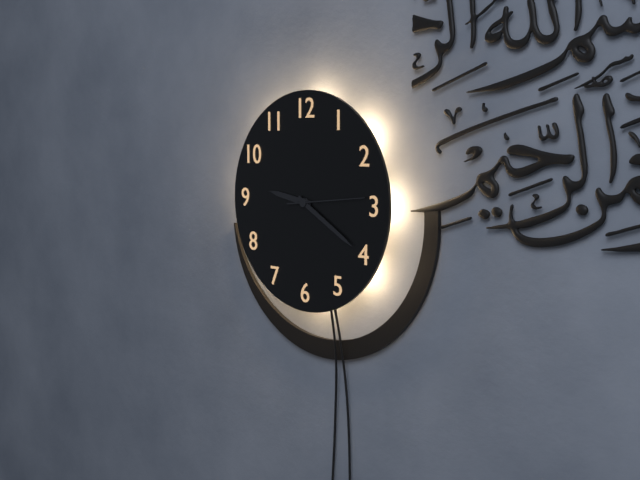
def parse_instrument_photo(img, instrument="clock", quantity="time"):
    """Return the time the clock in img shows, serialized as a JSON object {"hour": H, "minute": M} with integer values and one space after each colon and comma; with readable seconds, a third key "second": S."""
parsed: {"hour": 9, "minute": 20, "second": 14}
